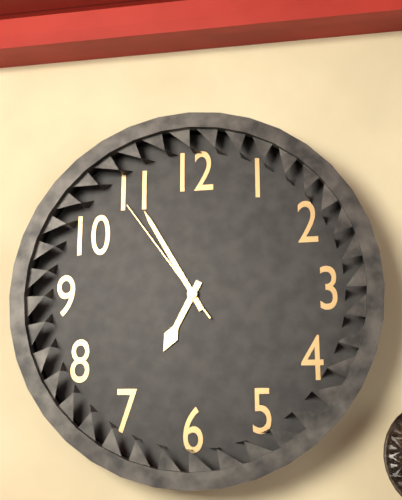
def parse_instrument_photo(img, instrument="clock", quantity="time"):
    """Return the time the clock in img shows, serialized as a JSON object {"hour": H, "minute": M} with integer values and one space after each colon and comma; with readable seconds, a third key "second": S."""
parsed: {"hour": 6, "minute": 55, "second": 54}
